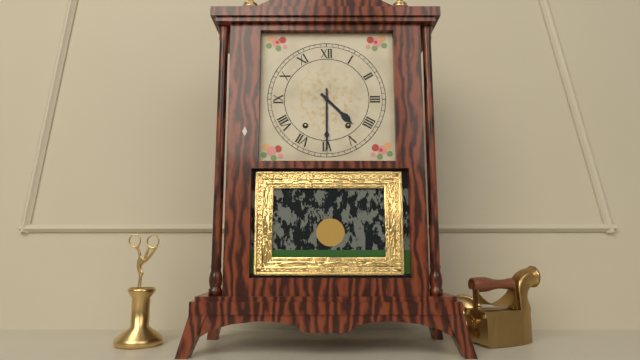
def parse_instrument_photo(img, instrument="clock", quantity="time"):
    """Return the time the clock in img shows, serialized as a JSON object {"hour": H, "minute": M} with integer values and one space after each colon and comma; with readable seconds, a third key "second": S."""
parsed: {"hour": 4, "minute": 30}
